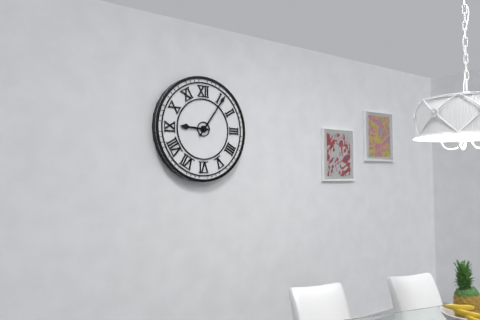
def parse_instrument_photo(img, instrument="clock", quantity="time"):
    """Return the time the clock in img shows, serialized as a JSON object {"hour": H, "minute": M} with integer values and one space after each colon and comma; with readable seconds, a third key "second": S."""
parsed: {"hour": 9, "minute": 6}
